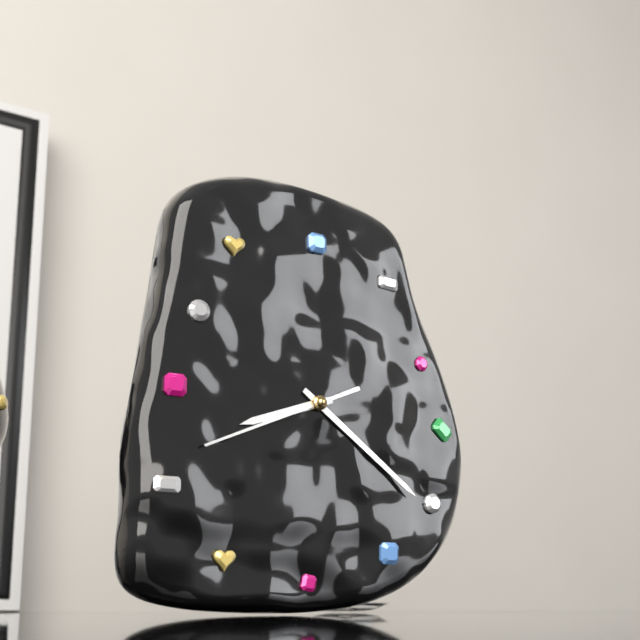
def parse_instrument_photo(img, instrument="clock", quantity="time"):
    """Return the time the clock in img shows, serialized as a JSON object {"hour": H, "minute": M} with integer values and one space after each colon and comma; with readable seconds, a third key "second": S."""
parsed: {"hour": 8, "minute": 21, "second": 41}
